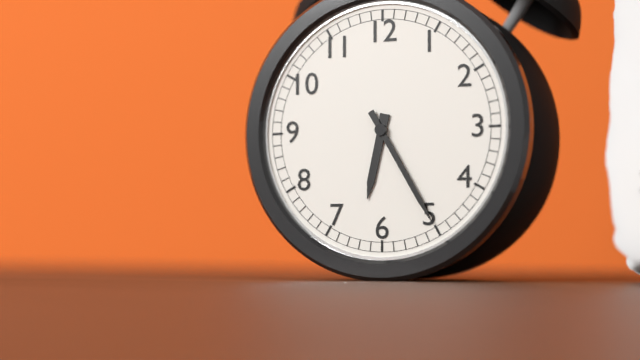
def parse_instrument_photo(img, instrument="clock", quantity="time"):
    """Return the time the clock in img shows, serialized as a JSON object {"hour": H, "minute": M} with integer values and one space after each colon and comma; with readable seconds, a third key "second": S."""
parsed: {"hour": 6, "minute": 25}
